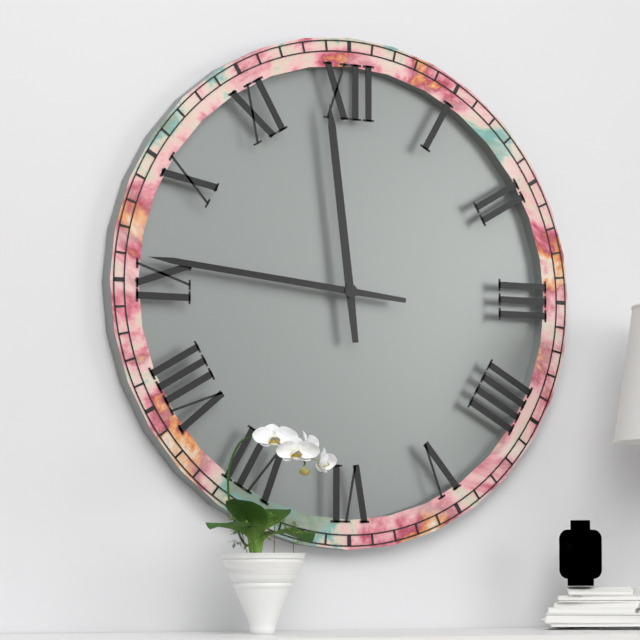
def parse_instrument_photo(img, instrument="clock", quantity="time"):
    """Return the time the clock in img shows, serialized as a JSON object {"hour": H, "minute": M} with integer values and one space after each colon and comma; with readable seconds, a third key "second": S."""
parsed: {"hour": 11, "minute": 46}
